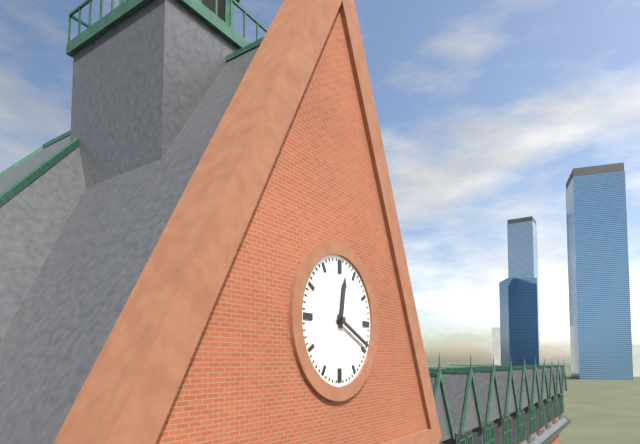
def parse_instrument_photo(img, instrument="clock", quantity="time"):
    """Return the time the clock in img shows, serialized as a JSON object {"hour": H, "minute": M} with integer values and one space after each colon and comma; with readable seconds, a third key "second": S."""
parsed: {"hour": 12, "minute": 19}
